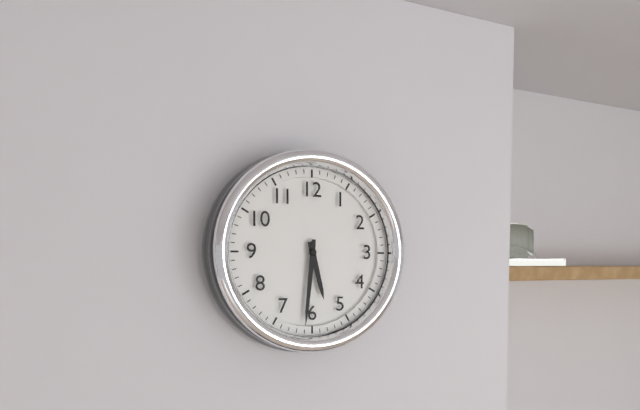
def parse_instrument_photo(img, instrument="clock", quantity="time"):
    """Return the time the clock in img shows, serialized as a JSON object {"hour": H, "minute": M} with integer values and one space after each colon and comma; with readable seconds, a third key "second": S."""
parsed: {"hour": 5, "minute": 31}
